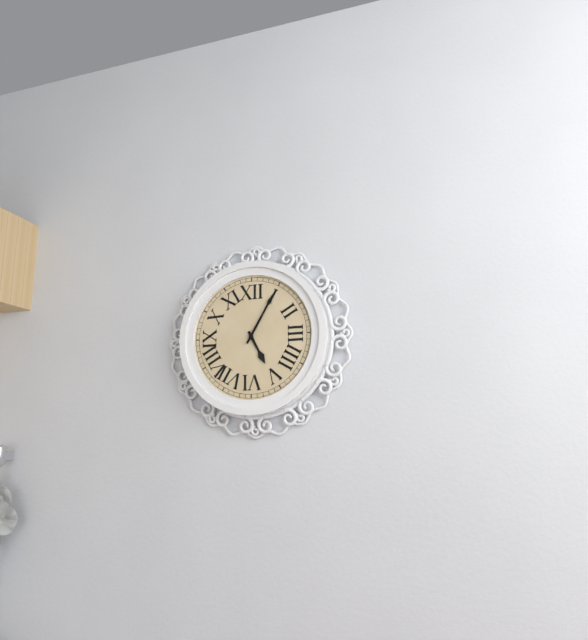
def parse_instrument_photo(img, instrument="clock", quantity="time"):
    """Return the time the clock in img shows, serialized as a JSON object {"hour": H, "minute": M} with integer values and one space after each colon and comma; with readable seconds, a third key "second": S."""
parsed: {"hour": 5, "minute": 5}
